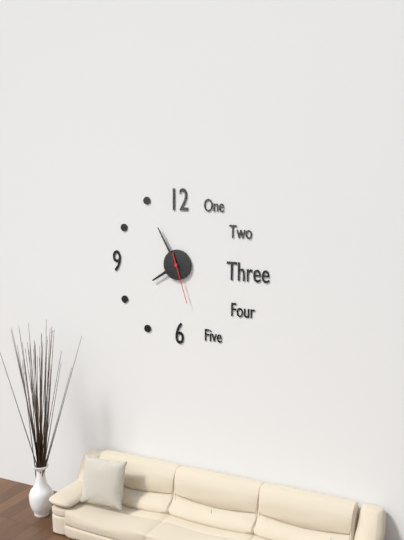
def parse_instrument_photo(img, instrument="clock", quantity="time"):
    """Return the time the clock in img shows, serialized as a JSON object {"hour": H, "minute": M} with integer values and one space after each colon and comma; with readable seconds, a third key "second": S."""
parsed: {"hour": 7, "minute": 55, "second": 27}
